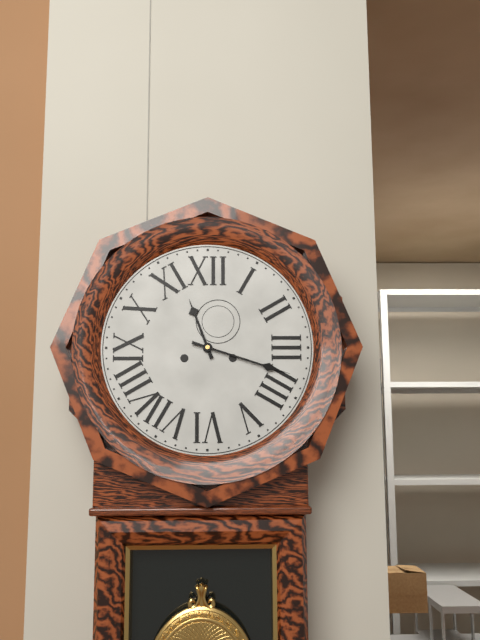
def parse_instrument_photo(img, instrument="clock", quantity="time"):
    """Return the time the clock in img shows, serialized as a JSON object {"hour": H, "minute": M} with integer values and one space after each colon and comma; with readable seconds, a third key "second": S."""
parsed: {"hour": 11, "minute": 18}
